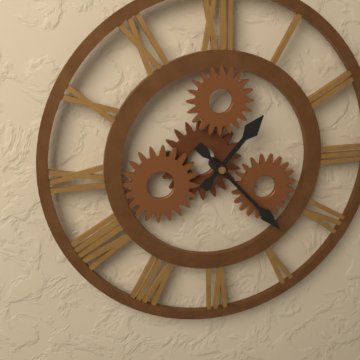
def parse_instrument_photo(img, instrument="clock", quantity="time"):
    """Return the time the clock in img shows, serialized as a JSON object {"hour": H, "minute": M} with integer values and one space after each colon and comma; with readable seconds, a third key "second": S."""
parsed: {"hour": 1, "minute": 23}
